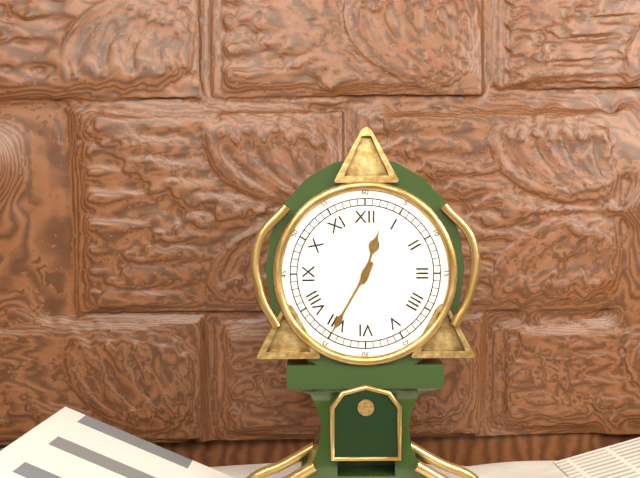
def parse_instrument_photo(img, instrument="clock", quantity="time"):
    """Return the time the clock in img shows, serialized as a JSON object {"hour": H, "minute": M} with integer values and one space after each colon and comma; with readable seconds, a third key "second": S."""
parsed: {"hour": 12, "minute": 35}
